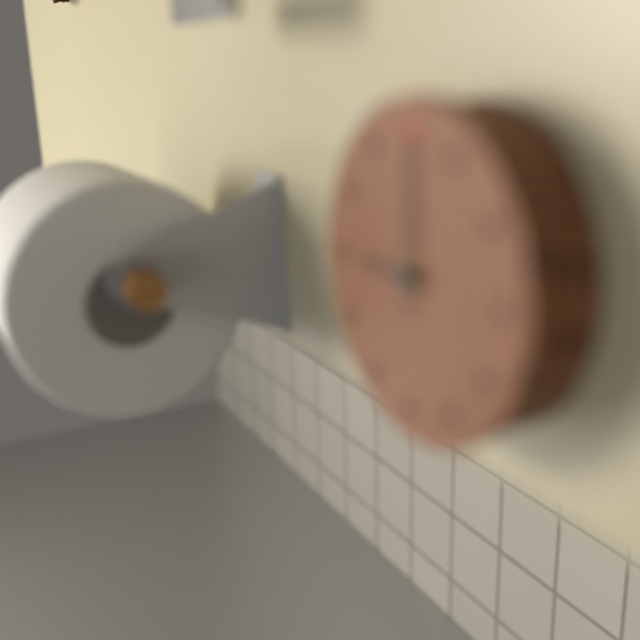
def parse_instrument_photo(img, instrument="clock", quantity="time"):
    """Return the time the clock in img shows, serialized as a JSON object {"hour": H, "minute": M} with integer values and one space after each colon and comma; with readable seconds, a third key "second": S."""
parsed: {"hour": 9, "minute": 0}
